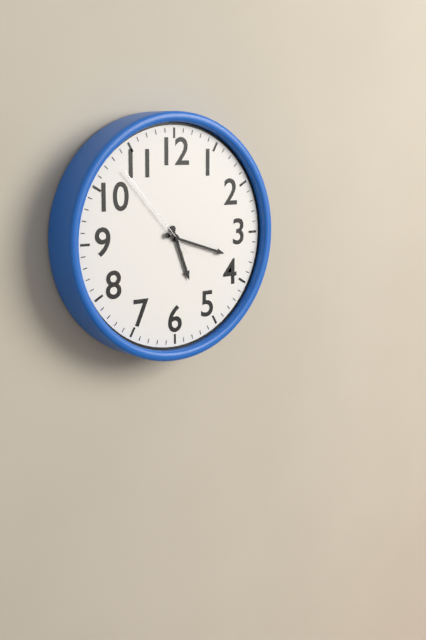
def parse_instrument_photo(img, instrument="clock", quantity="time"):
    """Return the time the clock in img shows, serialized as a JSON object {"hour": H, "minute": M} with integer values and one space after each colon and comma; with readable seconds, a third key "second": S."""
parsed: {"hour": 5, "minute": 18, "second": 53}
